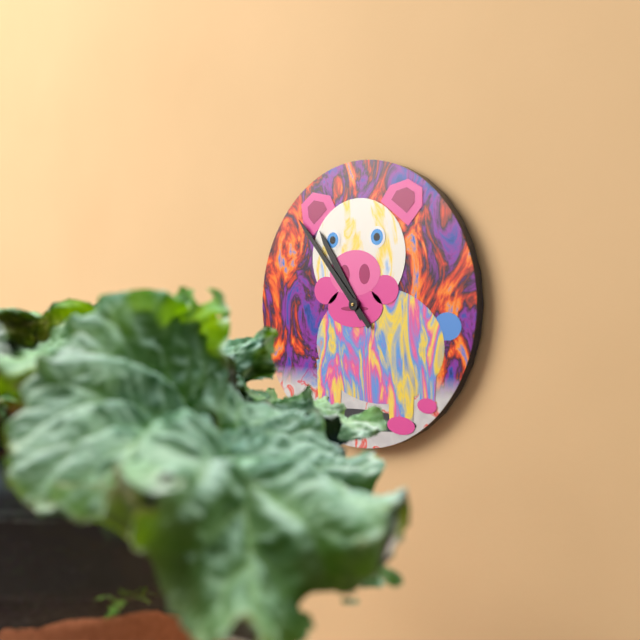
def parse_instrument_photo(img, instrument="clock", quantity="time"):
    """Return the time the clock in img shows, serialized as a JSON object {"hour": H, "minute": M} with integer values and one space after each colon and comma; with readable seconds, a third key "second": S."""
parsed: {"hour": 10, "minute": 53}
